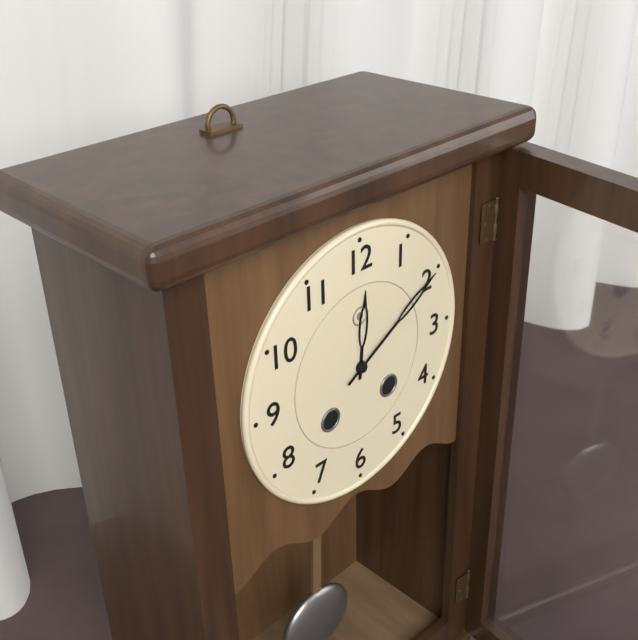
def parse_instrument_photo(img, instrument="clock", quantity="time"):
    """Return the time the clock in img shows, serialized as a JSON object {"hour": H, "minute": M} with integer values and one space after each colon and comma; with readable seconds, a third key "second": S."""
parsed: {"hour": 12, "minute": 10}
